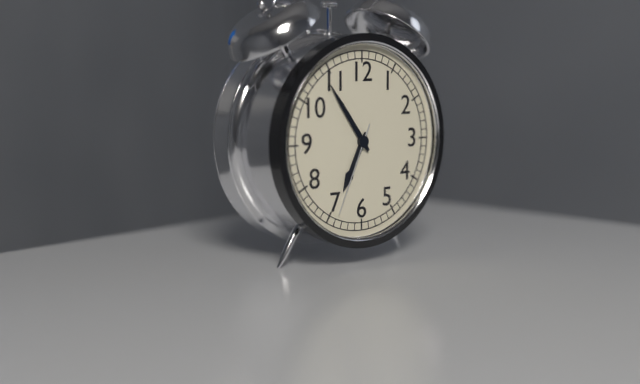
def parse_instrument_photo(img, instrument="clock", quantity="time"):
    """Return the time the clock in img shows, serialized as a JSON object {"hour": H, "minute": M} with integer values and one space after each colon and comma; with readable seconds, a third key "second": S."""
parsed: {"hour": 6, "minute": 54, "second": 34}
